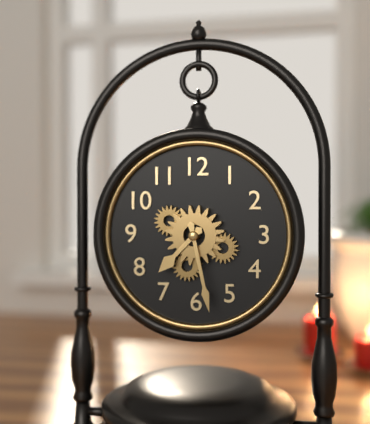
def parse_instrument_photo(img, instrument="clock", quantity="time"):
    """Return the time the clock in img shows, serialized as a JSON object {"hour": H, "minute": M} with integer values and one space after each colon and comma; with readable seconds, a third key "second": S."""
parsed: {"hour": 7, "minute": 28}
